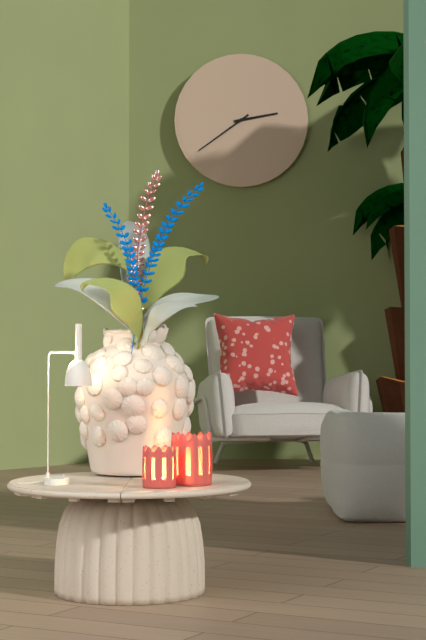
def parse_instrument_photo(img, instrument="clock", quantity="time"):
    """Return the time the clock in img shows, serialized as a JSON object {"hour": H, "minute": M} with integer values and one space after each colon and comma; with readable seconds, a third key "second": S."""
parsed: {"hour": 2, "minute": 39}
